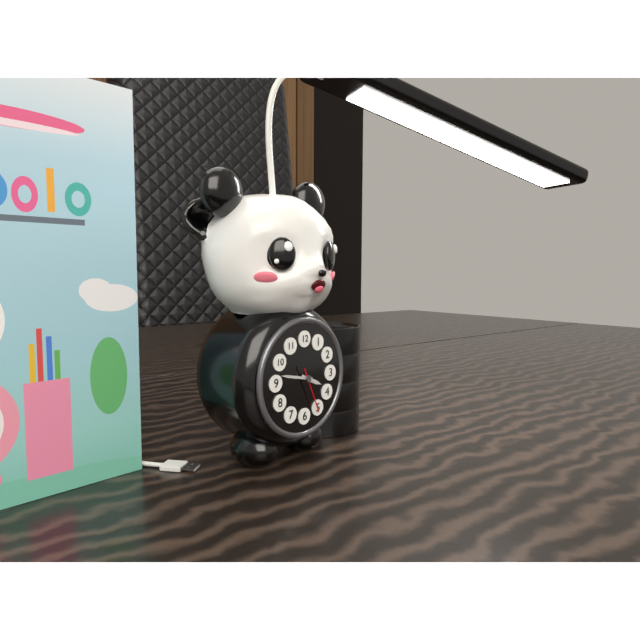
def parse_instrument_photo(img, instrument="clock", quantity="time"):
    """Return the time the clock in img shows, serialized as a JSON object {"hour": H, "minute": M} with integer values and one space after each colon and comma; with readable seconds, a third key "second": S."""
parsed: {"hour": 3, "minute": 47}
